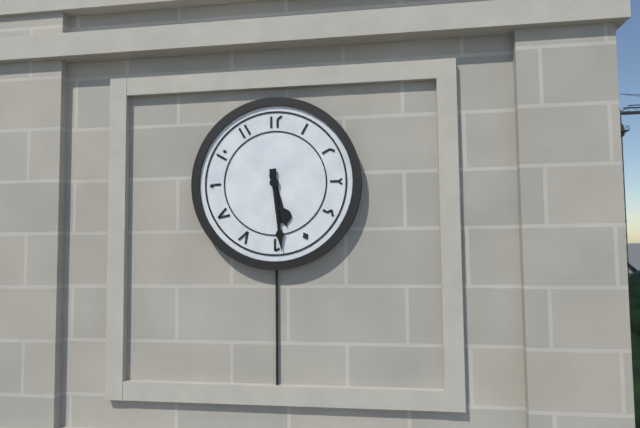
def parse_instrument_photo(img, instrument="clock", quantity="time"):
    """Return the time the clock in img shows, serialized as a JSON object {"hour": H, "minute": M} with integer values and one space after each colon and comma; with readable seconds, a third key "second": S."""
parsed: {"hour": 5, "minute": 29}
